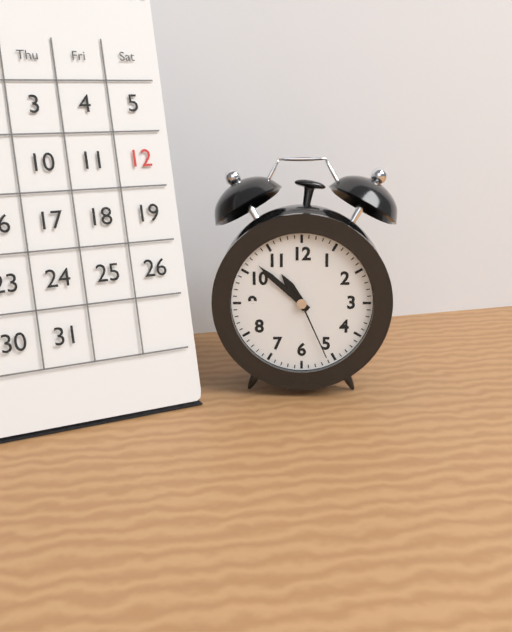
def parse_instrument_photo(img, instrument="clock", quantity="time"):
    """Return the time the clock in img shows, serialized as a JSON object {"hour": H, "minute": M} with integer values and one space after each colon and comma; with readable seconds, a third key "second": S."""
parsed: {"hour": 10, "minute": 52, "second": 26}
